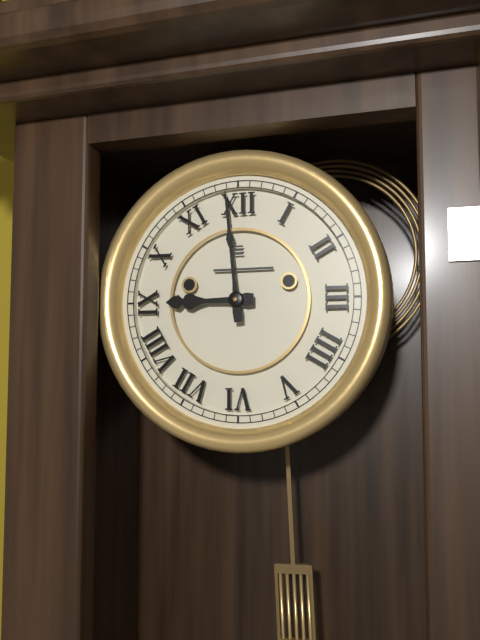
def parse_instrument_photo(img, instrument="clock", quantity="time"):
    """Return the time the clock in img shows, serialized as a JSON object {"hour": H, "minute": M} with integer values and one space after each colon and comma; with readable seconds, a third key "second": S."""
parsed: {"hour": 8, "minute": 59}
